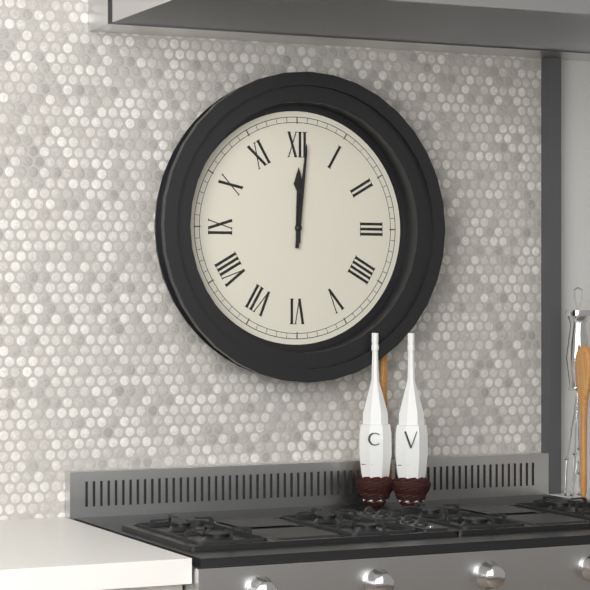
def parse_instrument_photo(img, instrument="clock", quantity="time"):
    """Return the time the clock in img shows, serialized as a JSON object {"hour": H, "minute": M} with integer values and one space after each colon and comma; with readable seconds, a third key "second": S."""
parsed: {"hour": 12, "minute": 1}
